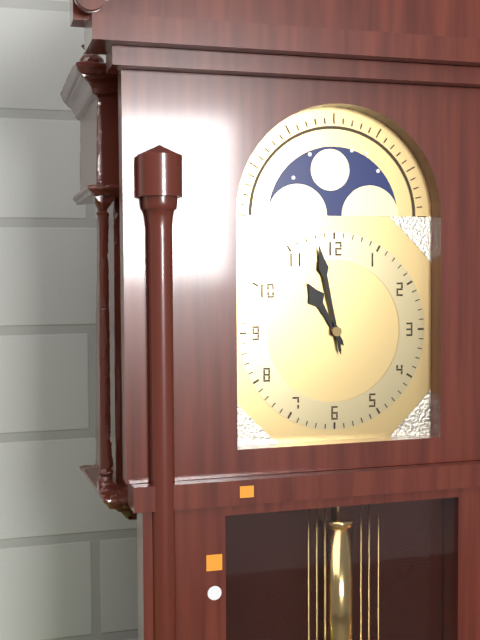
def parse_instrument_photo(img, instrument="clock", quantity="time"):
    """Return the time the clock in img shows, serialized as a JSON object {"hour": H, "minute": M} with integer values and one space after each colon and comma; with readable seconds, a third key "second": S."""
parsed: {"hour": 10, "minute": 58}
